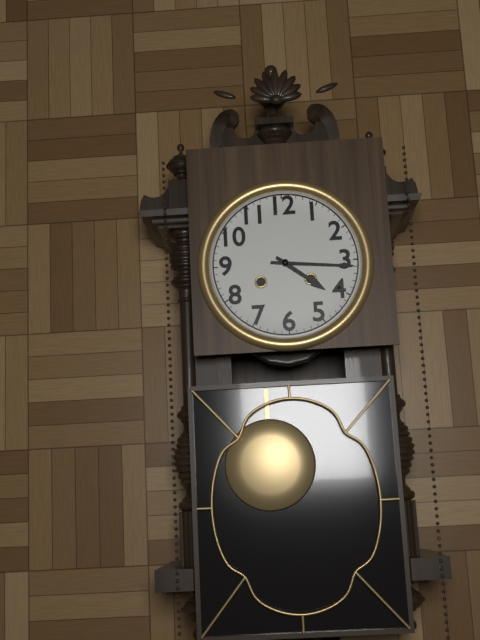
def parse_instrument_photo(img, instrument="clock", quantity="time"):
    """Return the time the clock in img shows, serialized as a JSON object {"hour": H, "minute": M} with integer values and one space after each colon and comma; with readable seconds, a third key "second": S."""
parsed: {"hour": 4, "minute": 16}
